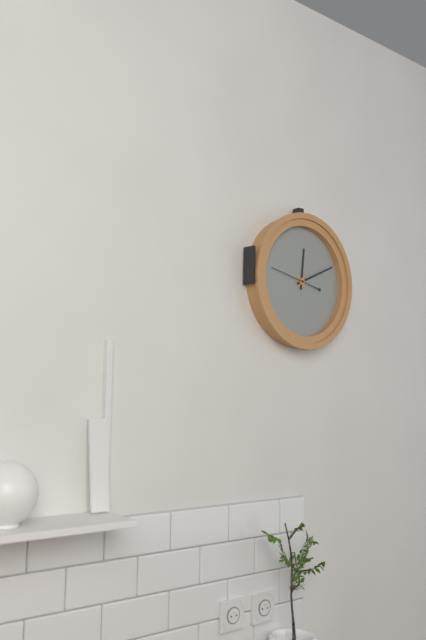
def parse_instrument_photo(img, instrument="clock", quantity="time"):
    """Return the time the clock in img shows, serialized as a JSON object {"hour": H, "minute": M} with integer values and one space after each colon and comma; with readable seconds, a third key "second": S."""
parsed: {"hour": 12, "minute": 11}
